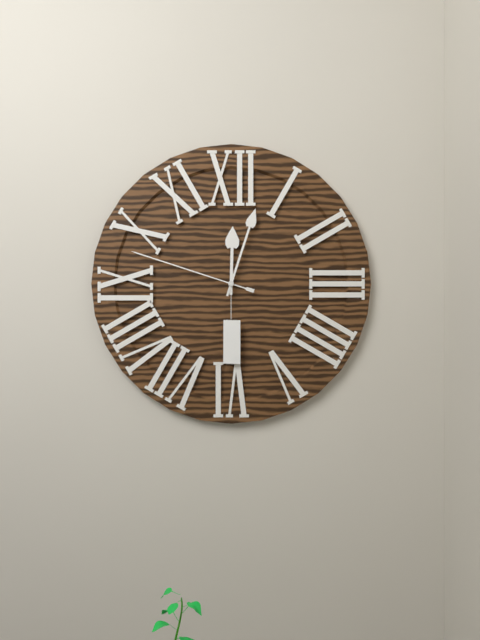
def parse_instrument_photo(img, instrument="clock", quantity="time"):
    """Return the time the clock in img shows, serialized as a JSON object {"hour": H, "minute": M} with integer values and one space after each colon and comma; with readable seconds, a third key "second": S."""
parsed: {"hour": 12, "minute": 3, "second": 48}
